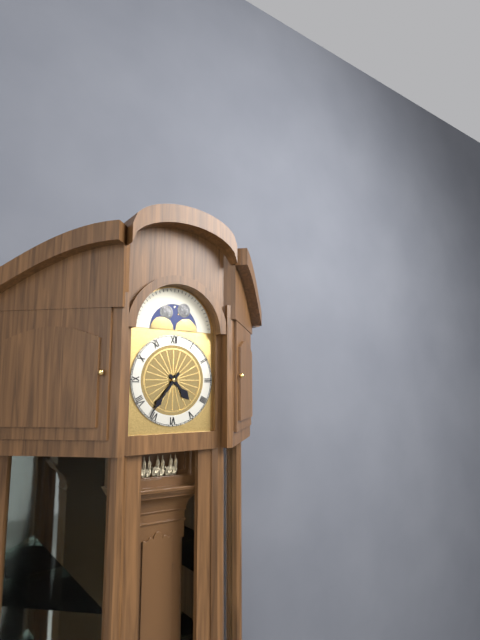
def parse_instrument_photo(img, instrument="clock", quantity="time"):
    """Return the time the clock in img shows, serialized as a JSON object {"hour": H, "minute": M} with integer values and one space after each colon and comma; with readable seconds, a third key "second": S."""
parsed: {"hour": 4, "minute": 36}
